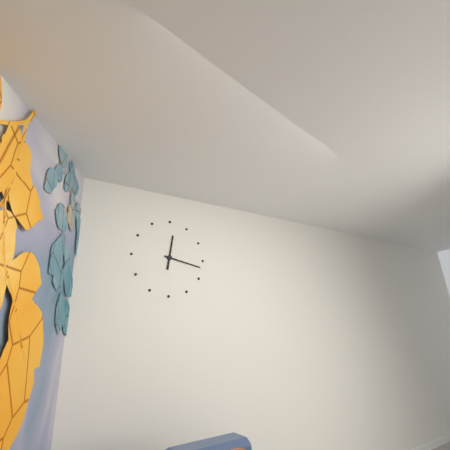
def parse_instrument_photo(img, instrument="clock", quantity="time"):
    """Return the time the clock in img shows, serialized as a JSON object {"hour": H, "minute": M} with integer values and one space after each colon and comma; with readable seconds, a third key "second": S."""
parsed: {"hour": 12, "minute": 17}
